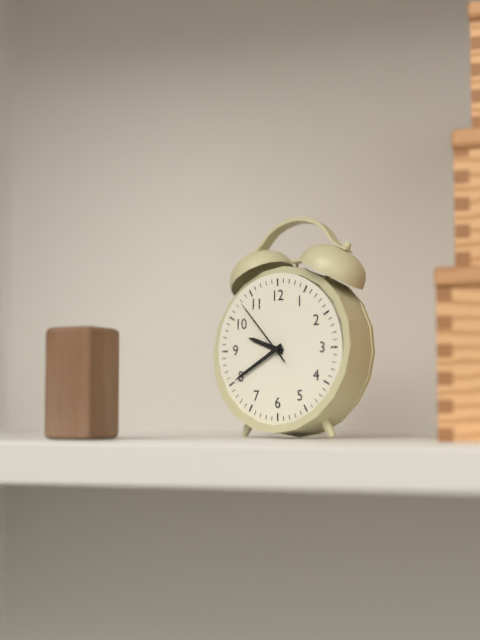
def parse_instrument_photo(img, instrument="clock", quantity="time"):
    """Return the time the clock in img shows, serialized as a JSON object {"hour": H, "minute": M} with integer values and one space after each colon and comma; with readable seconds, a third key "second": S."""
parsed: {"hour": 9, "minute": 40, "second": 53}
